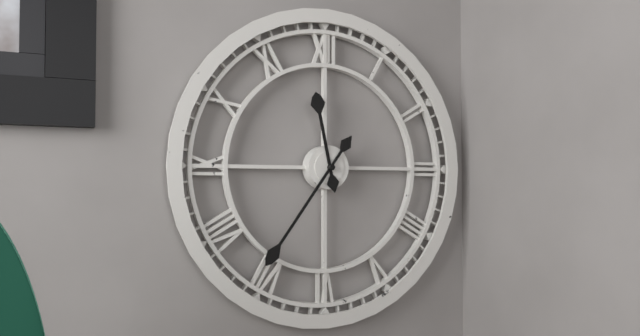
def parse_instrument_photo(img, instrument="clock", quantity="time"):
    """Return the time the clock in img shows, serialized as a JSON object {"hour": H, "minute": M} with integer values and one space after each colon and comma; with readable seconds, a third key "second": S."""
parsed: {"hour": 11, "minute": 36}
